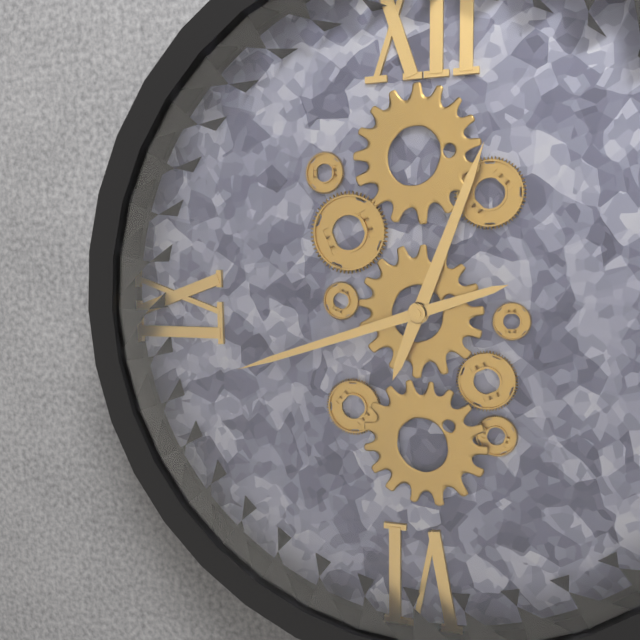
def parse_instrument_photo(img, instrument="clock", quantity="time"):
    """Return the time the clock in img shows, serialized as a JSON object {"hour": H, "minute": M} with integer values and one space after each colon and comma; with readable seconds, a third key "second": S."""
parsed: {"hour": 12, "minute": 42}
